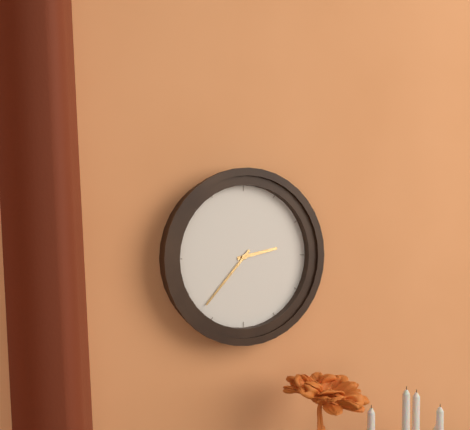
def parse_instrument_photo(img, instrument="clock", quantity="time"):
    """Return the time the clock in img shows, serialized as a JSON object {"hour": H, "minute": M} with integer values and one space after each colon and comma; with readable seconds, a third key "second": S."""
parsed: {"hour": 2, "minute": 37}
